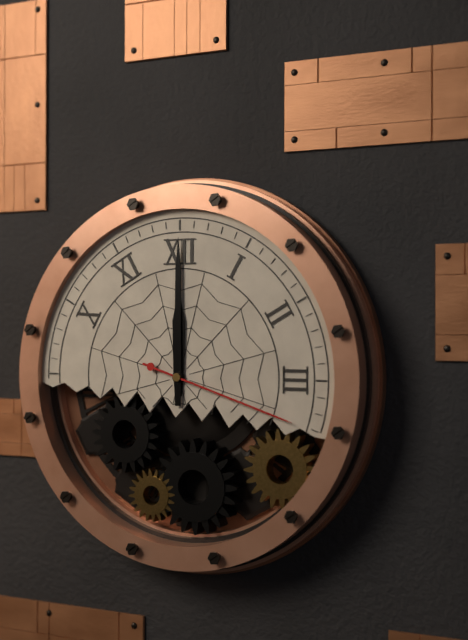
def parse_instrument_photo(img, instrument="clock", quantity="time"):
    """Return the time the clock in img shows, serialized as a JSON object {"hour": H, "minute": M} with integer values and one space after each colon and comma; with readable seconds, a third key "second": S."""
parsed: {"hour": 12, "minute": 0, "second": 18}
